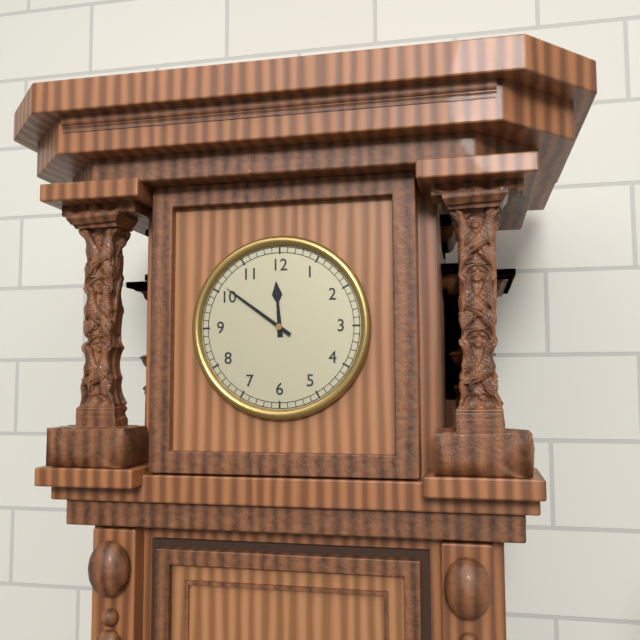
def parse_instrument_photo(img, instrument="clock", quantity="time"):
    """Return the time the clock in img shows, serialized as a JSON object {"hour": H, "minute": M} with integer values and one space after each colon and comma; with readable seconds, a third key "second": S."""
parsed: {"hour": 11, "minute": 51}
